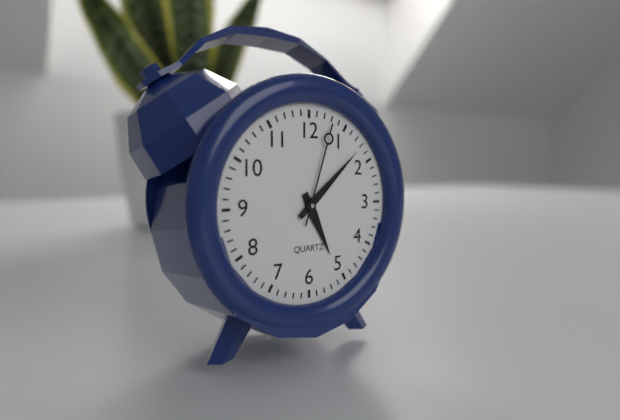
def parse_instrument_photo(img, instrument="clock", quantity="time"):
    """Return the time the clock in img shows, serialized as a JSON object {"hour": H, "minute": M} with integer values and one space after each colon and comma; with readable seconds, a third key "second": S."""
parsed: {"hour": 5, "minute": 8, "second": 3}
